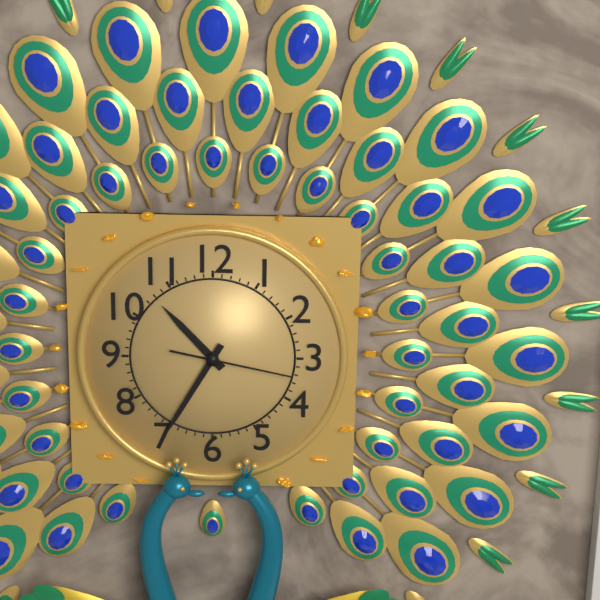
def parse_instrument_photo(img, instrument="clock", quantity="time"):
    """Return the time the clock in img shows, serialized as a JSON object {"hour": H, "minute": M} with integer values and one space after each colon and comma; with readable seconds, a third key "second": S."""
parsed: {"hour": 10, "minute": 35, "second": 17}
